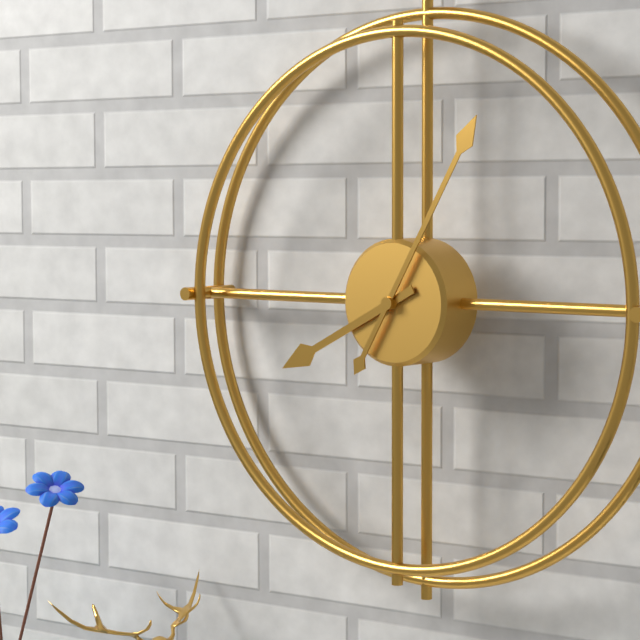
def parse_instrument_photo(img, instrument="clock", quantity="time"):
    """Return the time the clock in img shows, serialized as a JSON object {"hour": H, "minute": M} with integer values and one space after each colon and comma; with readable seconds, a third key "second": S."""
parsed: {"hour": 8, "minute": 5}
